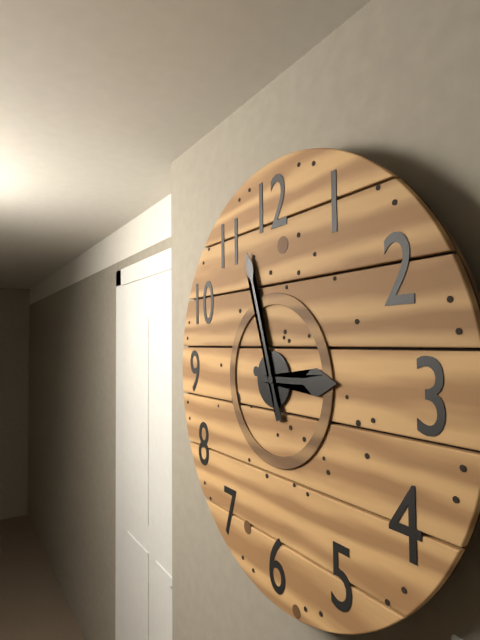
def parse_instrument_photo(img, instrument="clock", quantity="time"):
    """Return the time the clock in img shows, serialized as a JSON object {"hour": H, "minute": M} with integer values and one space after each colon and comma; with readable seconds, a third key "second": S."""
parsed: {"hour": 2, "minute": 57}
